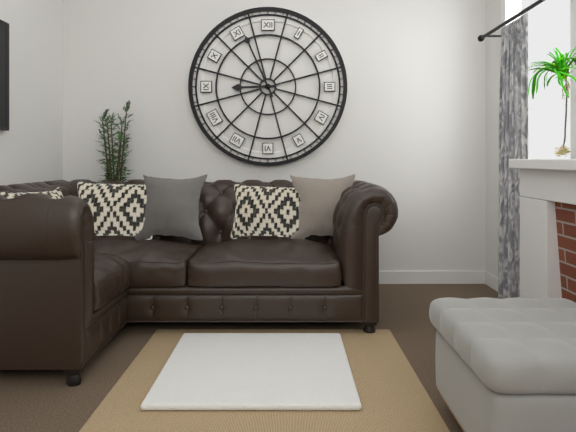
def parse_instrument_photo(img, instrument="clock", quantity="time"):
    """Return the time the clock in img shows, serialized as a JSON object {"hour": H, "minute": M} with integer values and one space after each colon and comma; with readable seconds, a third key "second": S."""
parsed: {"hour": 8, "minute": 56}
